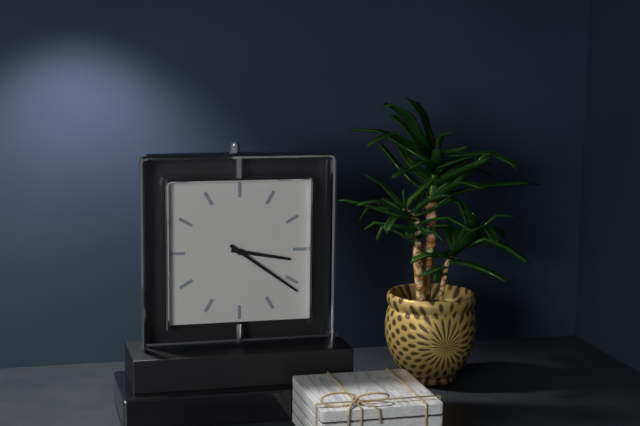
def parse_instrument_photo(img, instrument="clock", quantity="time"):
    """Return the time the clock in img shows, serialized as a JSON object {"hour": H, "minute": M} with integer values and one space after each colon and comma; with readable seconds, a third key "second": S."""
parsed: {"hour": 3, "minute": 21}
